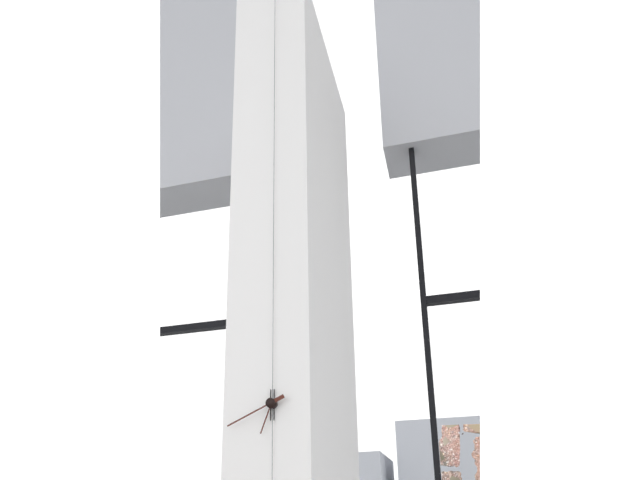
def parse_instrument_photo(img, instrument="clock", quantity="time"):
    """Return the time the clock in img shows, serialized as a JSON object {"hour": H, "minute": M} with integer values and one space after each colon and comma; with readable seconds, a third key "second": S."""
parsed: {"hour": 6, "minute": 41}
